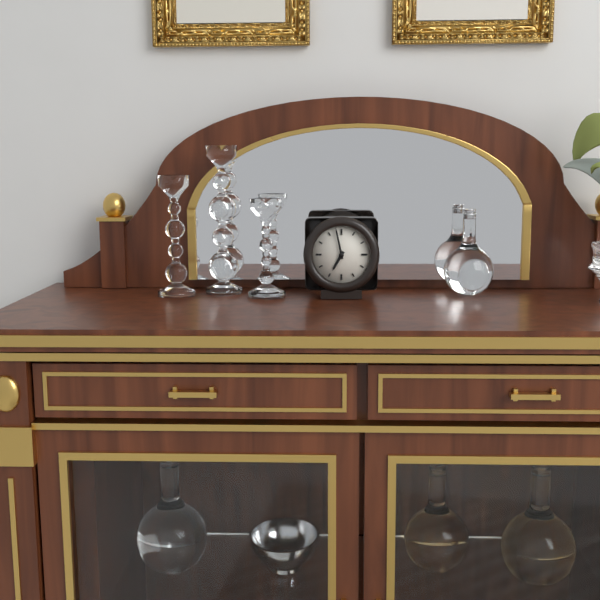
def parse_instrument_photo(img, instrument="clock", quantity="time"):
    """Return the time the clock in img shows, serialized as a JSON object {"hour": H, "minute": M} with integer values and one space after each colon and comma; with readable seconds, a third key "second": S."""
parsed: {"hour": 6, "minute": 58}
